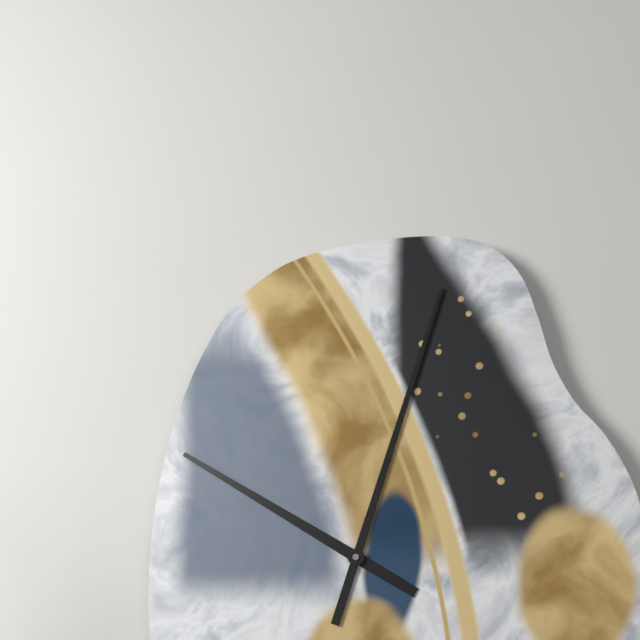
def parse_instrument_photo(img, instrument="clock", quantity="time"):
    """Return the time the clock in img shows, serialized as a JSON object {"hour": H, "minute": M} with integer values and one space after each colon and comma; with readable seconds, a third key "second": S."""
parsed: {"hour": 10, "minute": 3}
